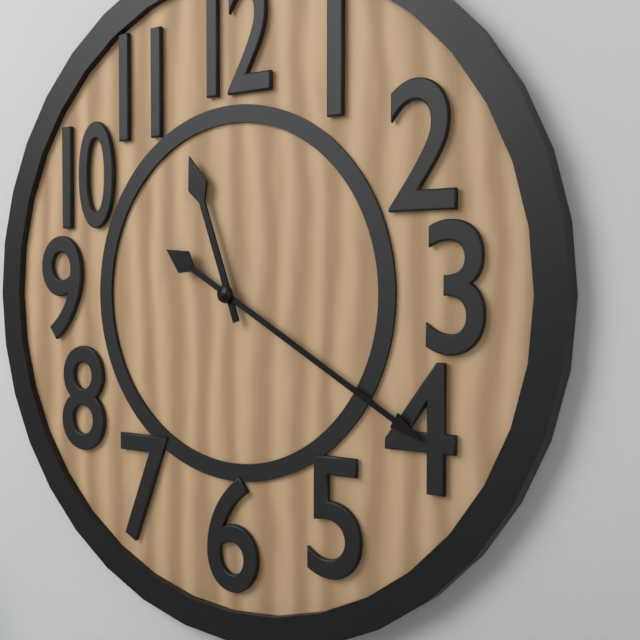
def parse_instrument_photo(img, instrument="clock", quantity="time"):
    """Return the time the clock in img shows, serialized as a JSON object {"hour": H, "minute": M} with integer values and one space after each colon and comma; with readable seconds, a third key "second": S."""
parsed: {"hour": 11, "minute": 20}
